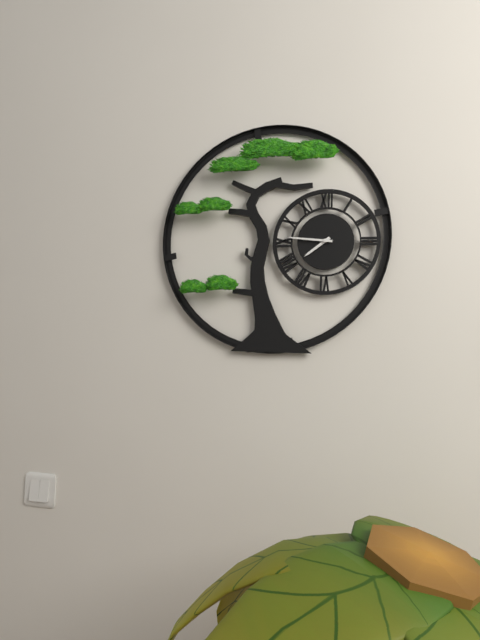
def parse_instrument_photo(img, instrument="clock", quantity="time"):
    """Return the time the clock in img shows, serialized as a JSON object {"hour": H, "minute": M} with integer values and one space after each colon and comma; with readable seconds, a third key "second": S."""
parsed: {"hour": 7, "minute": 46}
